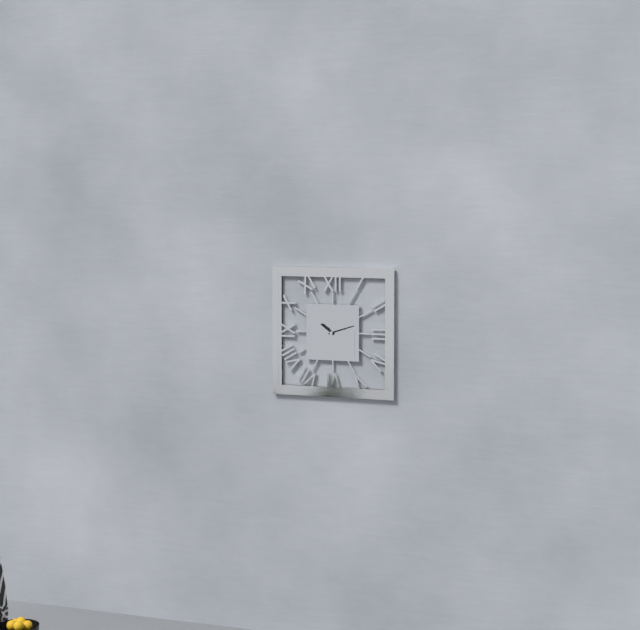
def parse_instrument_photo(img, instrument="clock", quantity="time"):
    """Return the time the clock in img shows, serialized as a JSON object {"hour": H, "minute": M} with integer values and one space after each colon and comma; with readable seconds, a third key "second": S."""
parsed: {"hour": 10, "minute": 12}
